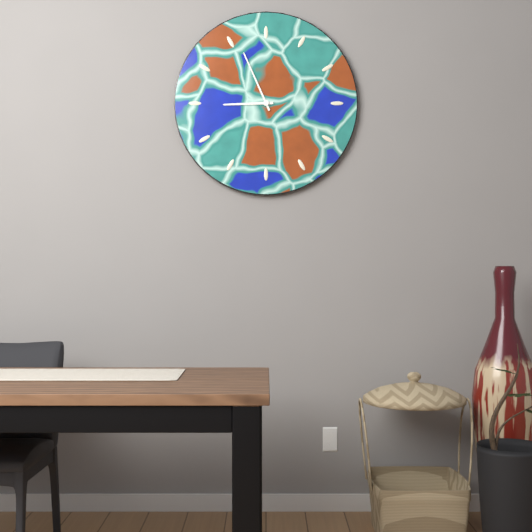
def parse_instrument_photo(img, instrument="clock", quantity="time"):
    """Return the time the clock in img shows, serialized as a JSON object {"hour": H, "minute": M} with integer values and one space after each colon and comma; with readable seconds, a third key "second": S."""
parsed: {"hour": 8, "minute": 56}
